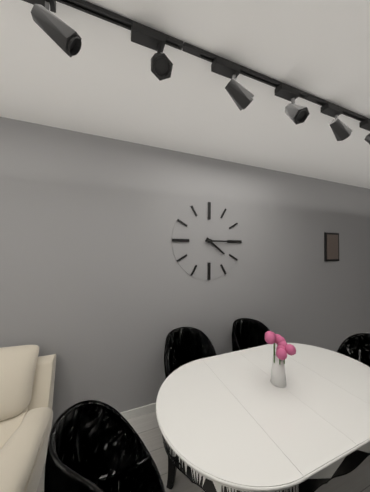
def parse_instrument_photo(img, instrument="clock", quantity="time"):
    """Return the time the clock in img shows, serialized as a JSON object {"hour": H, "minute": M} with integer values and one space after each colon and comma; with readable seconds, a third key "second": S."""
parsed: {"hour": 4, "minute": 15}
